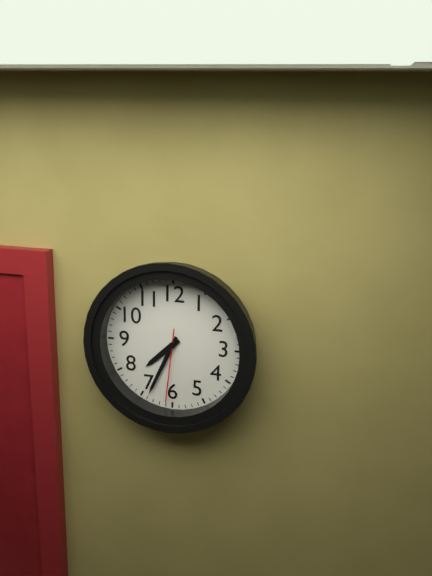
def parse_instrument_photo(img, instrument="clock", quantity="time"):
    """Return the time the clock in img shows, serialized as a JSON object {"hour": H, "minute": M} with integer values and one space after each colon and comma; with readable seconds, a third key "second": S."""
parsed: {"hour": 7, "minute": 34, "second": 31}
